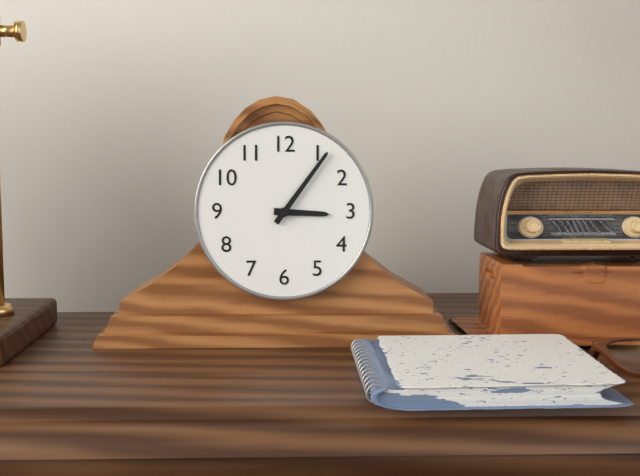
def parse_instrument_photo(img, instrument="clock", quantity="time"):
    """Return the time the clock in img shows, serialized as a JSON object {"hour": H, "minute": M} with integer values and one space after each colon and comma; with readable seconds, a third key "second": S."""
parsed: {"hour": 3, "minute": 6}
